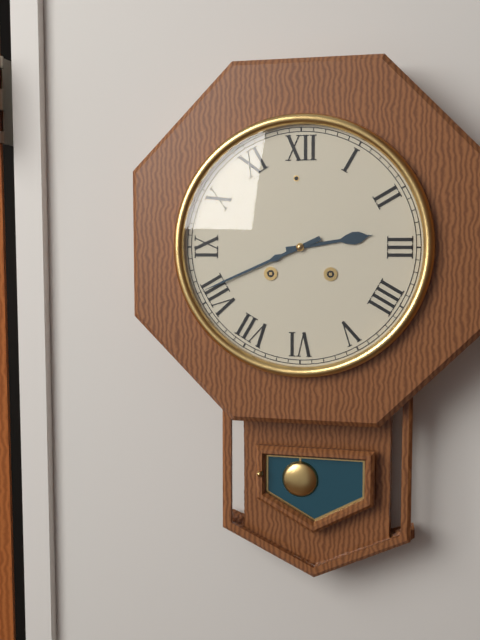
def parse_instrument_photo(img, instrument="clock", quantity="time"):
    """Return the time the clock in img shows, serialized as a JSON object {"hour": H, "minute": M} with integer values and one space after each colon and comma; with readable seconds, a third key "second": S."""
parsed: {"hour": 2, "minute": 41}
